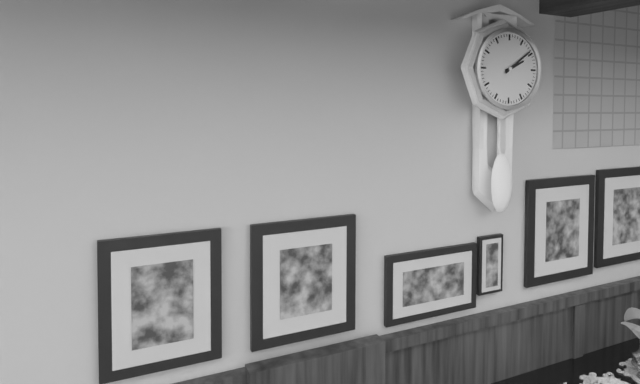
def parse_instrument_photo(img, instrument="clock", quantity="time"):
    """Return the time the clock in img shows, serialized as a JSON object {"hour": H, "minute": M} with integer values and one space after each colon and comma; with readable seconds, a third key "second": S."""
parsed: {"hour": 2, "minute": 9}
